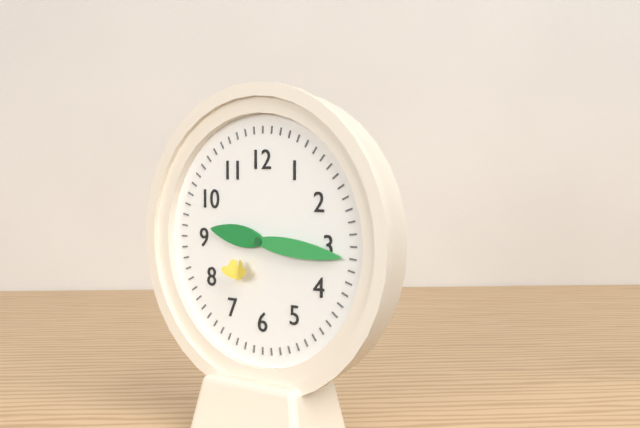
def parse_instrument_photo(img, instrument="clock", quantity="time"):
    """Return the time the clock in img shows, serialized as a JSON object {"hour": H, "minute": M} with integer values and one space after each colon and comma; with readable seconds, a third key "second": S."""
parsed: {"hour": 9, "minute": 16}
